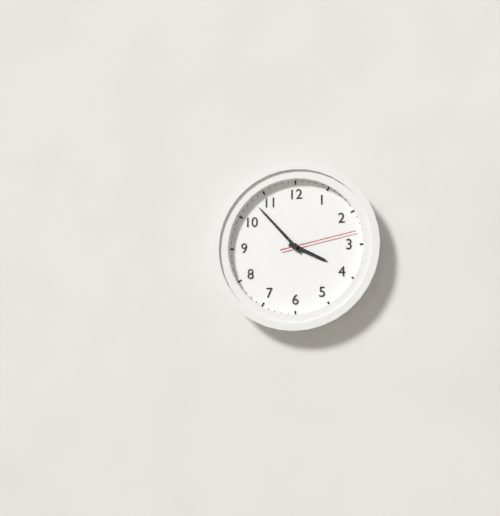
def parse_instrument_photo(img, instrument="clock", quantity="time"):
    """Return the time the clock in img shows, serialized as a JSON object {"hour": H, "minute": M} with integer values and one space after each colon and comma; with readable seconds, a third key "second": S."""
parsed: {"hour": 3, "minute": 53, "second": 13}
